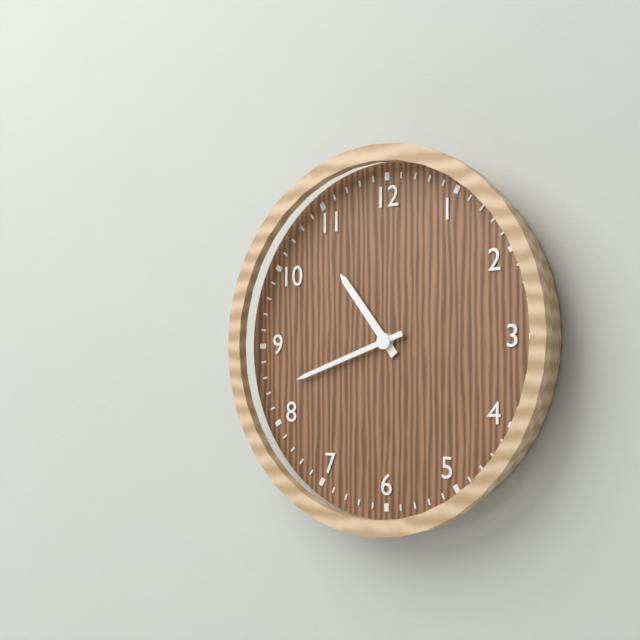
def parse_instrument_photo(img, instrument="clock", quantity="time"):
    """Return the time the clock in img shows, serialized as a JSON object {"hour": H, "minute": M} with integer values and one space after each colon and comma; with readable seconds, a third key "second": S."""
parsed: {"hour": 10, "minute": 42}
